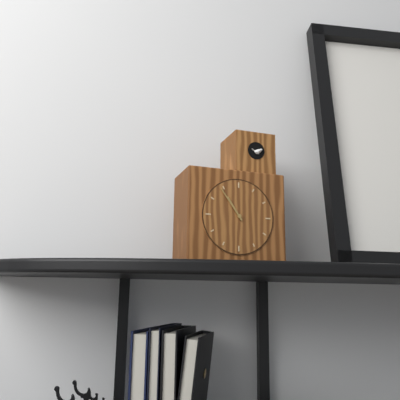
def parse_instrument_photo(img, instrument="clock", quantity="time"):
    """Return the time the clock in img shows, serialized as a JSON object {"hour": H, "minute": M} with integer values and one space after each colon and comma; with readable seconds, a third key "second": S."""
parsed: {"hour": 10, "minute": 54}
